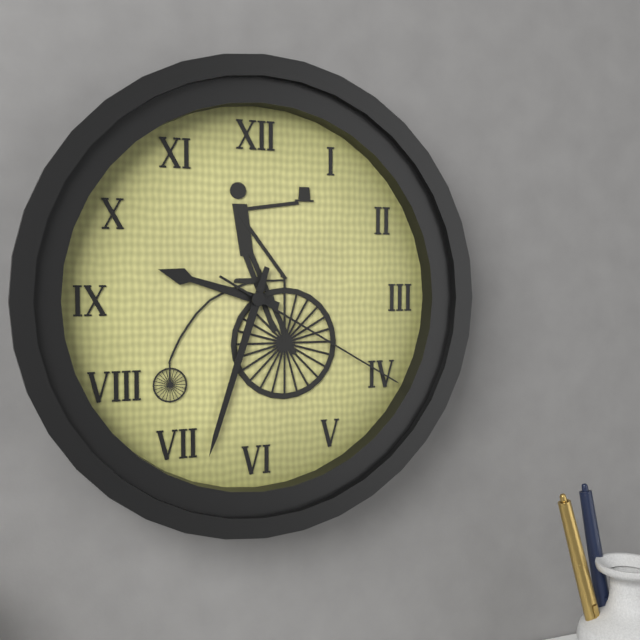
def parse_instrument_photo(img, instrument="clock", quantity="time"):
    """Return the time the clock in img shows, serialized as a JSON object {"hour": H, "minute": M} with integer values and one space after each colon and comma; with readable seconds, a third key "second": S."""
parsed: {"hour": 9, "minute": 33, "second": 20}
